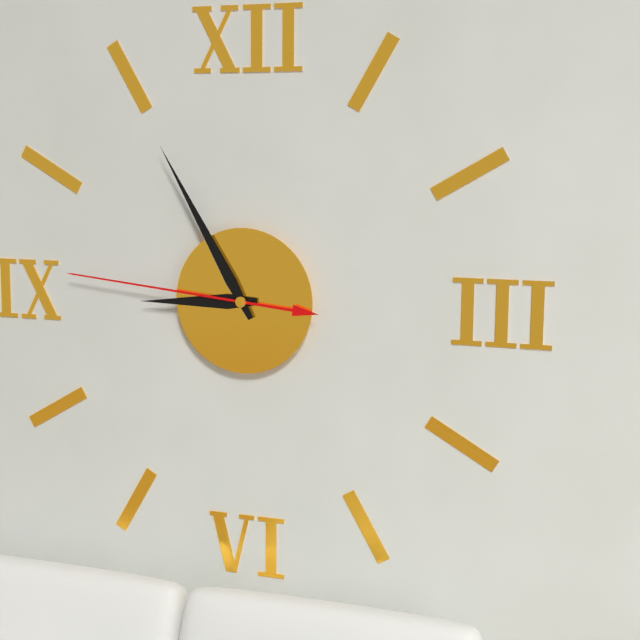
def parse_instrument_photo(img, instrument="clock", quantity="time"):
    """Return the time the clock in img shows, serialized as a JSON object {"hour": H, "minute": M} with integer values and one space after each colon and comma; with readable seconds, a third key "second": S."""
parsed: {"hour": 8, "minute": 55, "second": 46}
